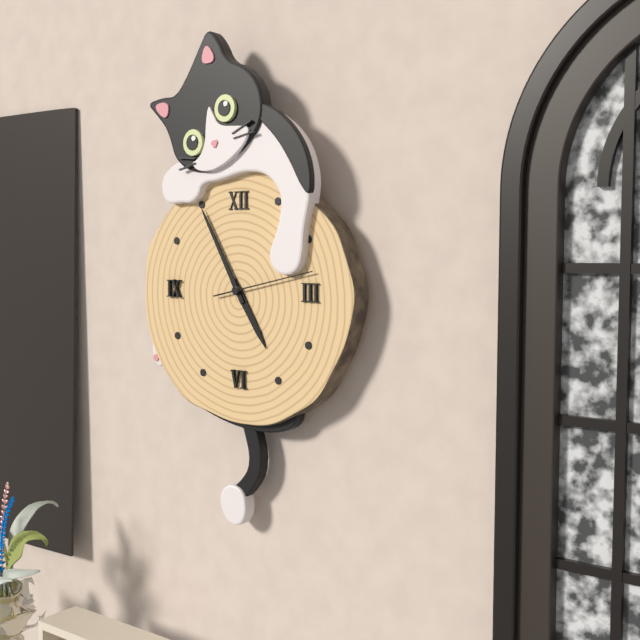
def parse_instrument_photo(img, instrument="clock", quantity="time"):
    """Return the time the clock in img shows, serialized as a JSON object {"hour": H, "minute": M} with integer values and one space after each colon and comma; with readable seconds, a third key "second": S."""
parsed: {"hour": 4, "minute": 55, "second": 13}
